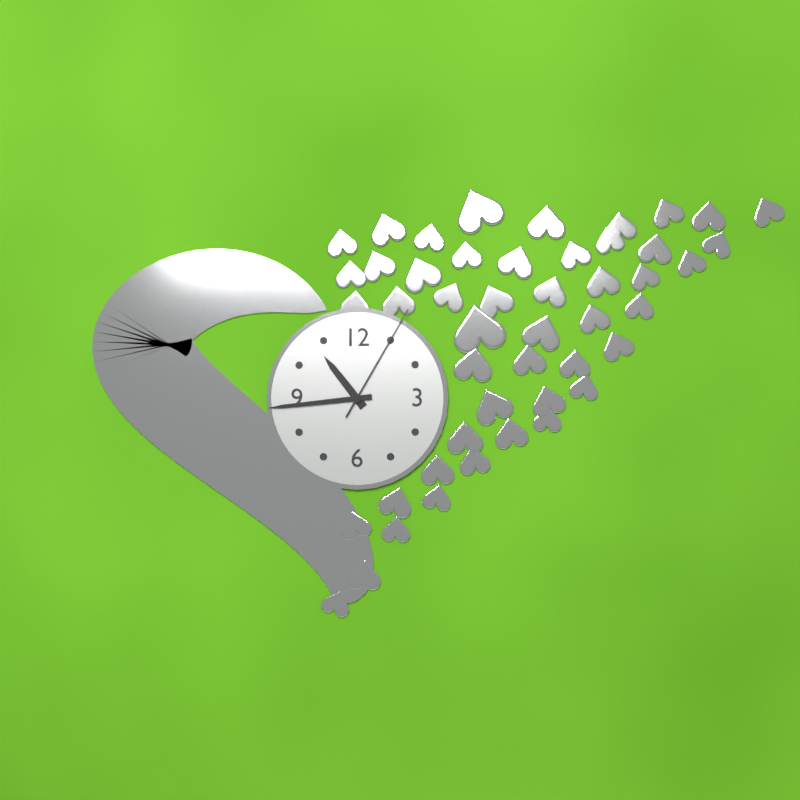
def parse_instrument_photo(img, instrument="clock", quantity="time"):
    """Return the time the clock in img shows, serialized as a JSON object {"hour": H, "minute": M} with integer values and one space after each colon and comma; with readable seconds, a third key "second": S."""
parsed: {"hour": 10, "minute": 44, "second": 5}
